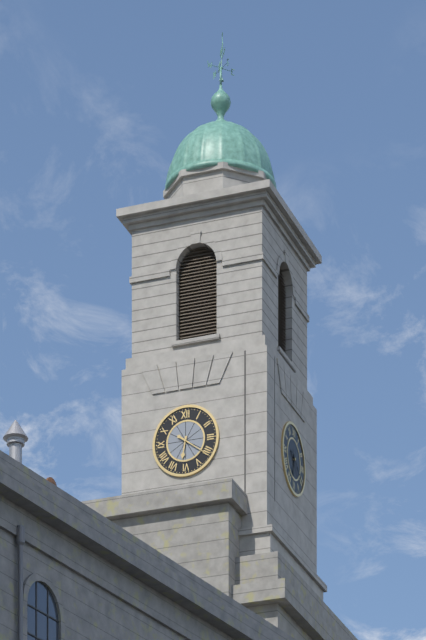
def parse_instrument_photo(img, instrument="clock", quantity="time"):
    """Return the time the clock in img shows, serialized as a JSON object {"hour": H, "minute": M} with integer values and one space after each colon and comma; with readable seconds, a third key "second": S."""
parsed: {"hour": 6, "minute": 21}
